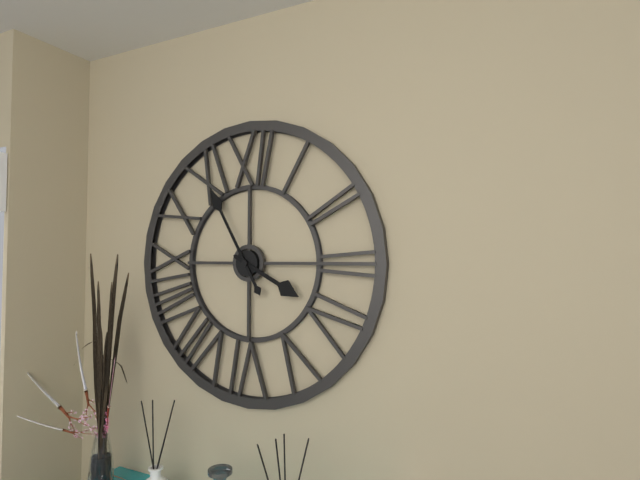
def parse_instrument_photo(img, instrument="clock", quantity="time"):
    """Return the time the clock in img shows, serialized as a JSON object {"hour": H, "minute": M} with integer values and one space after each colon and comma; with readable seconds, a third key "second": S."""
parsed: {"hour": 3, "minute": 55}
